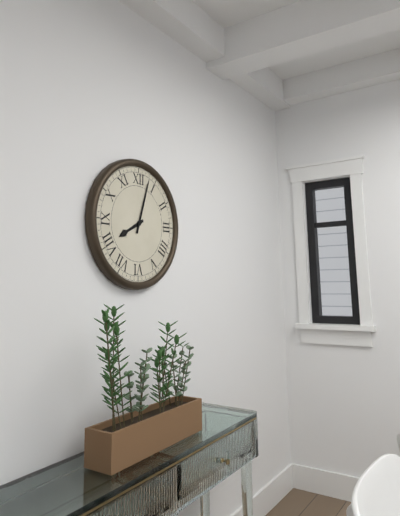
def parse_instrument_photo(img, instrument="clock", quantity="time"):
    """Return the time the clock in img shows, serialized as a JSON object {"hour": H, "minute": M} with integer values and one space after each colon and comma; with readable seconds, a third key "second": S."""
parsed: {"hour": 8, "minute": 3}
